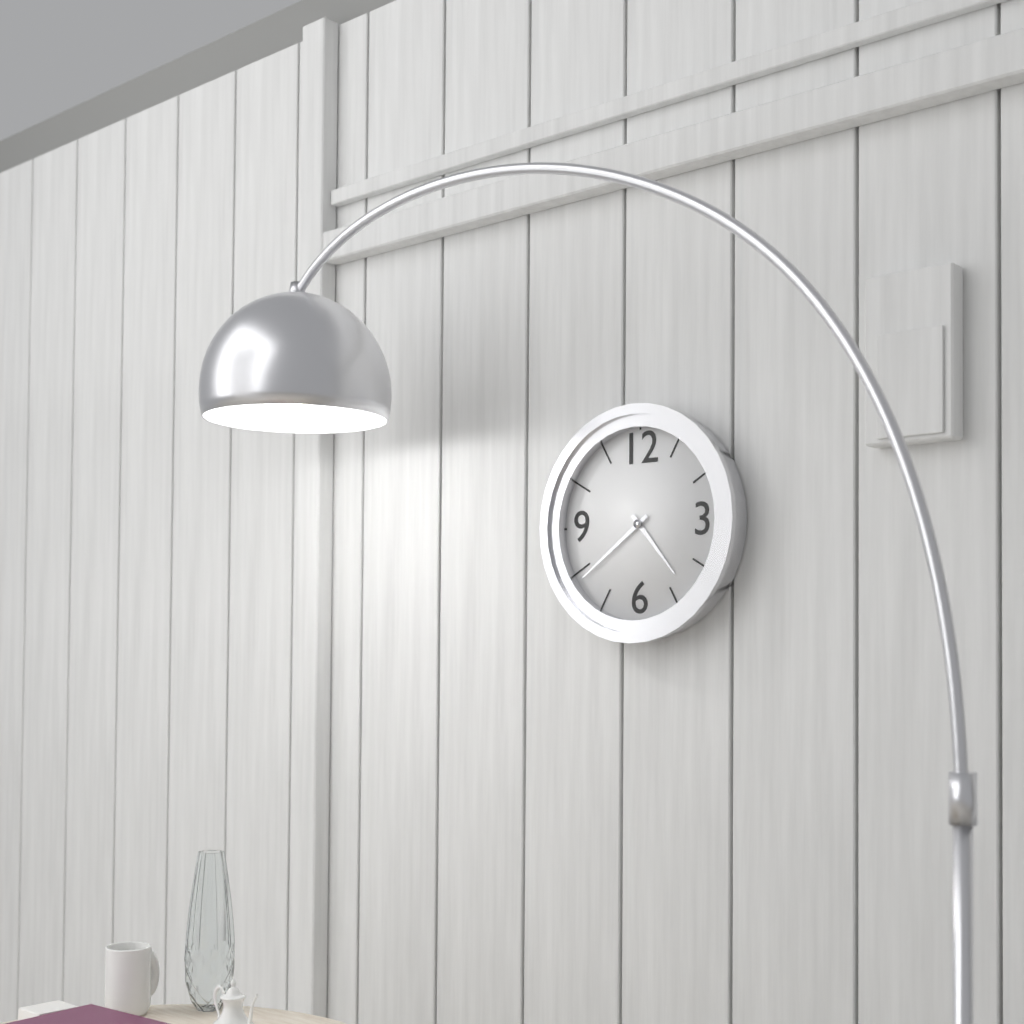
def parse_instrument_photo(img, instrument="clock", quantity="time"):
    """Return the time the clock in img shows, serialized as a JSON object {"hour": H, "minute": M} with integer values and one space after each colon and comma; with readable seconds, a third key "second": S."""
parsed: {"hour": 4, "minute": 39}
